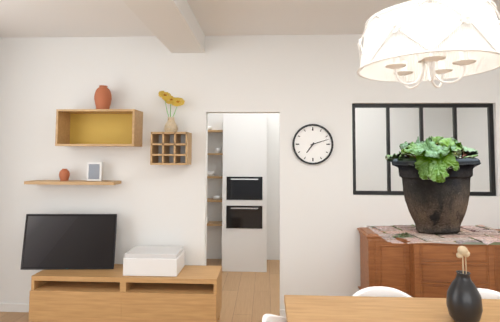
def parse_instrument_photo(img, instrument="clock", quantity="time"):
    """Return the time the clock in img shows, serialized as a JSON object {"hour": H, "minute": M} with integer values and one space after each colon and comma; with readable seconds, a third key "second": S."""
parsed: {"hour": 7, "minute": 12}
